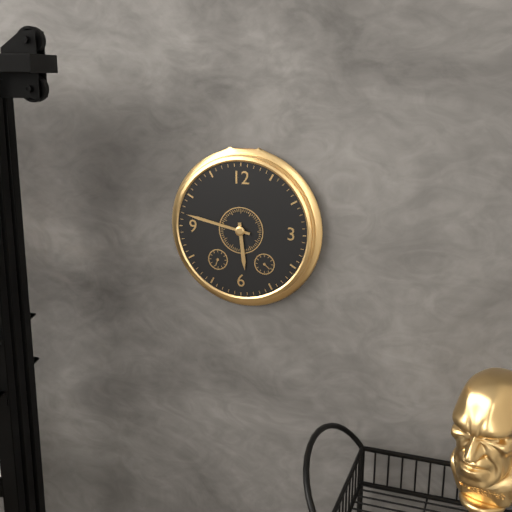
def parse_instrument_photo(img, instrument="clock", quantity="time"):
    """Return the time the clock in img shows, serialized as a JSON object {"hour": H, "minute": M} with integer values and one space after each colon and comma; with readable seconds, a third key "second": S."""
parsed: {"hour": 5, "minute": 47}
